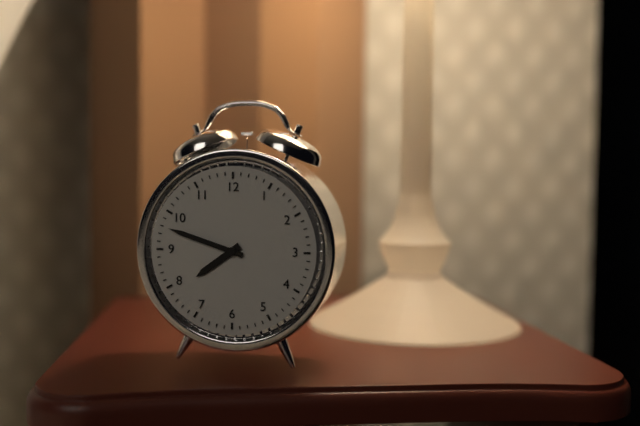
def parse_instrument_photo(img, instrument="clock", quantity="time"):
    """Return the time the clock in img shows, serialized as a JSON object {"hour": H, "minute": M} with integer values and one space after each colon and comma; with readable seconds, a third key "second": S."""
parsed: {"hour": 7, "minute": 48}
